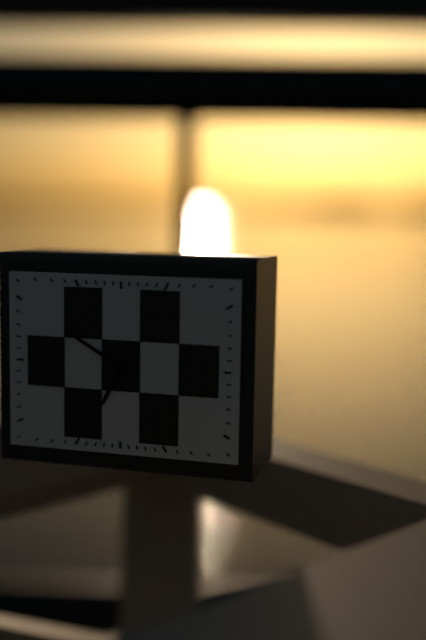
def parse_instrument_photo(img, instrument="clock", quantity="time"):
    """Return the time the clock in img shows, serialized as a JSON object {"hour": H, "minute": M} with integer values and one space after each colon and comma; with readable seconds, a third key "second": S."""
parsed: {"hour": 6, "minute": 50}
